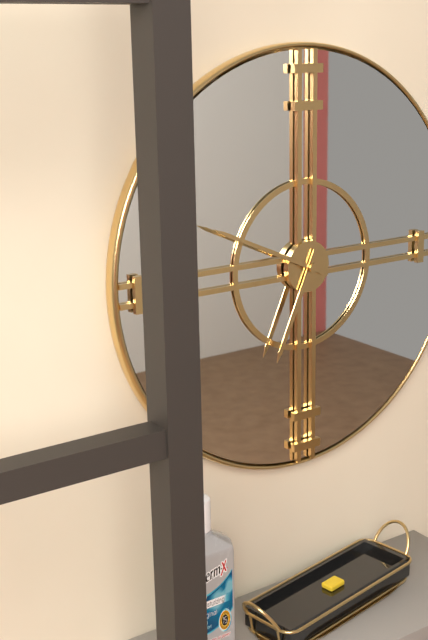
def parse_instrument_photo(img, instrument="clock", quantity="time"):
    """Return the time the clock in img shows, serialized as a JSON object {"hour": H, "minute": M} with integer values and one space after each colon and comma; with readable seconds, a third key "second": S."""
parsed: {"hour": 6, "minute": 49}
